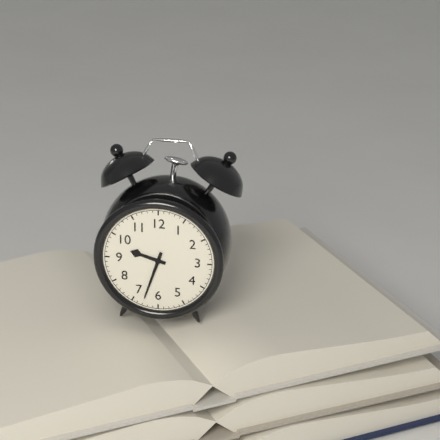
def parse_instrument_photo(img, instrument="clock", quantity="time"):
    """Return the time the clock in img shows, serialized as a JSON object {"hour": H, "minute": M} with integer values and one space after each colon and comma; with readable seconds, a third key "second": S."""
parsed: {"hour": 9, "minute": 33}
